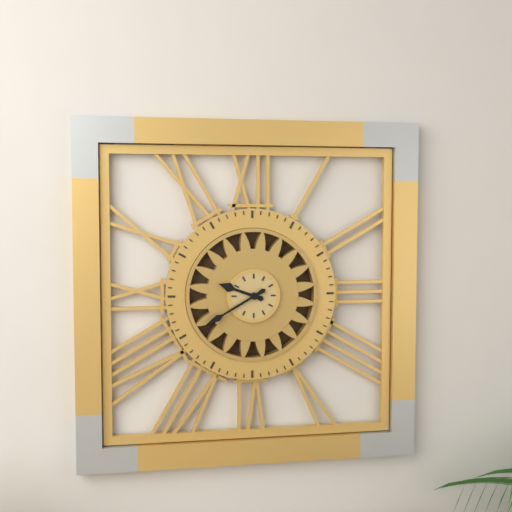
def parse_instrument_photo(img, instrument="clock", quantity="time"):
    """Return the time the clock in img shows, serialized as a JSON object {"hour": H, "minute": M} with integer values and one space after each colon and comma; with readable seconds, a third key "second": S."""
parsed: {"hour": 9, "minute": 40}
